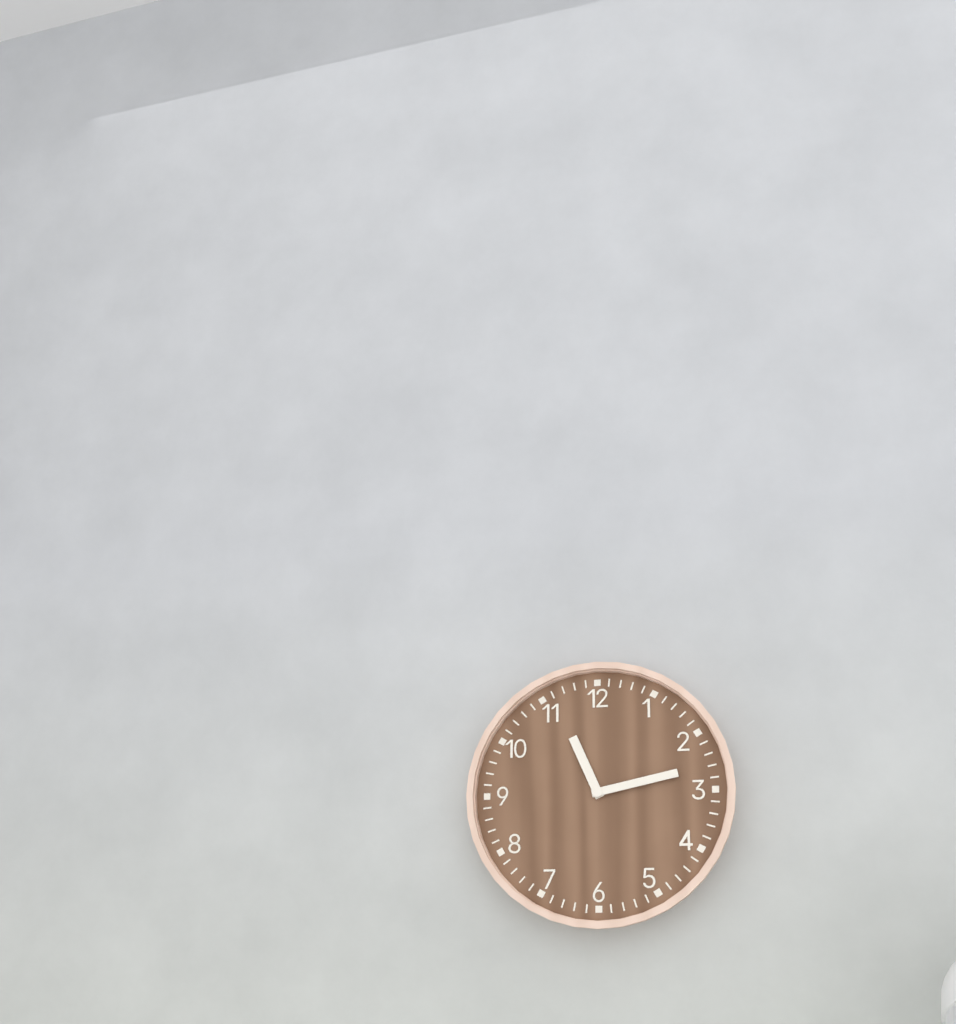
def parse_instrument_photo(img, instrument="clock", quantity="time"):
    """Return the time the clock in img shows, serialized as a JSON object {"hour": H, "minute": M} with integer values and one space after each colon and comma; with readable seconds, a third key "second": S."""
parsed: {"hour": 11, "minute": 13}
